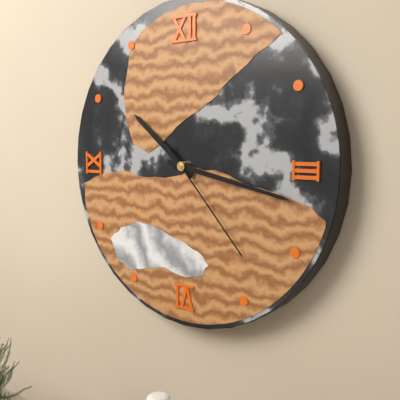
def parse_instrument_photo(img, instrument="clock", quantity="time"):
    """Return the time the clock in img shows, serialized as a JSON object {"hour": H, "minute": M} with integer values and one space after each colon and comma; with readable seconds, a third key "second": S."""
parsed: {"hour": 10, "minute": 17, "second": 23}
